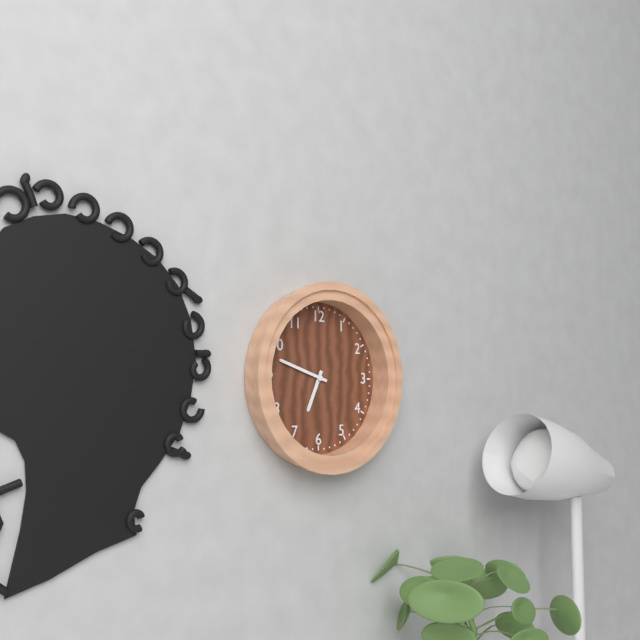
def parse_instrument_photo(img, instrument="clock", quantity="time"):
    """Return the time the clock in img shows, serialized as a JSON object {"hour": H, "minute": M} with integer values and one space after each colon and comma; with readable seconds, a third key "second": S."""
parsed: {"hour": 6, "minute": 48}
